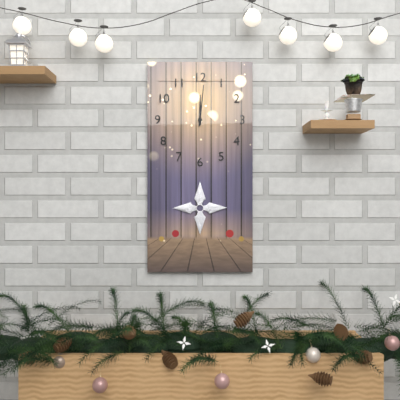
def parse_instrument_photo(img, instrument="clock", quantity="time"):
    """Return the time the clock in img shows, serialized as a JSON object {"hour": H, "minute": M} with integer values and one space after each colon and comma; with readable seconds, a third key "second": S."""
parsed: {"hour": 12, "minute": 1}
